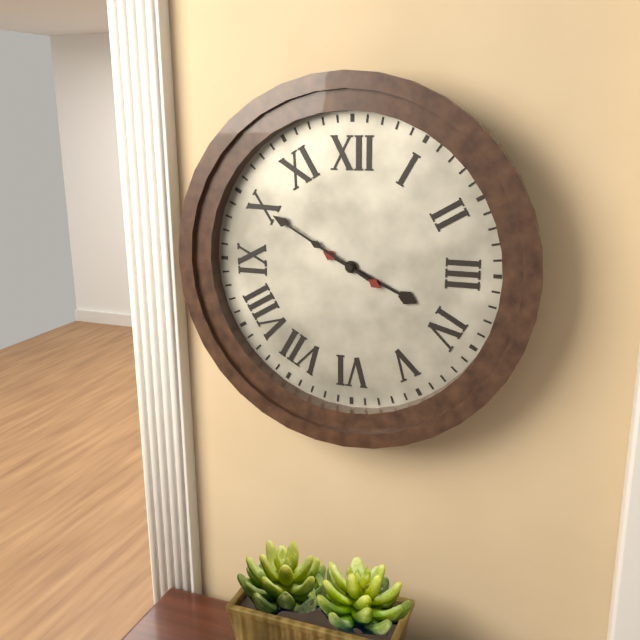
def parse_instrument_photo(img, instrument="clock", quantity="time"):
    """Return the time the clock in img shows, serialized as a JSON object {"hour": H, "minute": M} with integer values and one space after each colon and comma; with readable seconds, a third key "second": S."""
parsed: {"hour": 3, "minute": 50}
